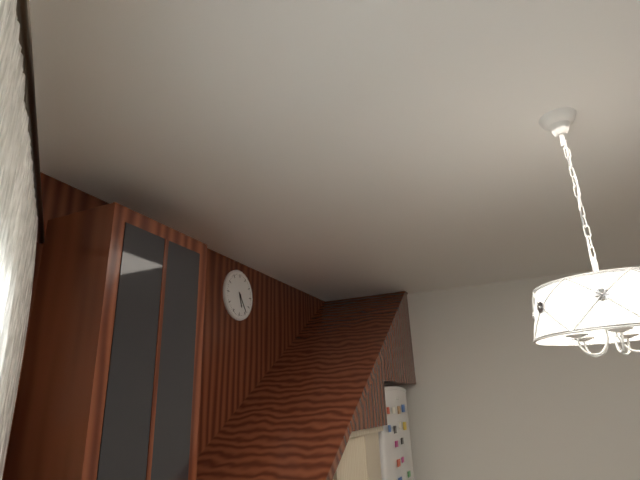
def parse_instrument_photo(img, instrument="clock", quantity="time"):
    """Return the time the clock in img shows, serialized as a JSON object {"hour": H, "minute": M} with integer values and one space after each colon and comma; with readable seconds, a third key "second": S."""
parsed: {"hour": 5, "minute": 24}
